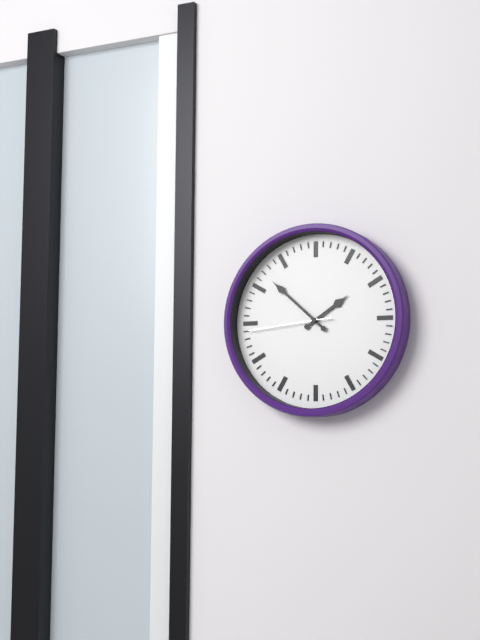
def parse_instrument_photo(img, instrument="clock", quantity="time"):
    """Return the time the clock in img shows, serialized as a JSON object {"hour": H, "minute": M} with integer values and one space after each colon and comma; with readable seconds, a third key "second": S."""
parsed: {"hour": 1, "minute": 52, "second": 44}
